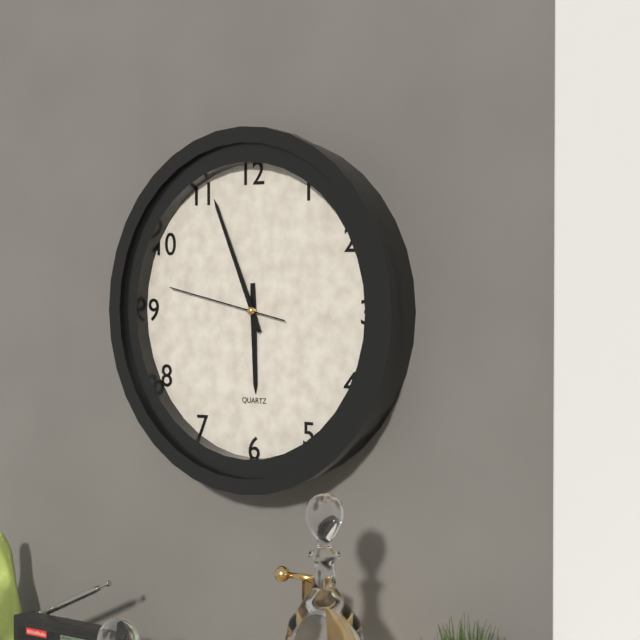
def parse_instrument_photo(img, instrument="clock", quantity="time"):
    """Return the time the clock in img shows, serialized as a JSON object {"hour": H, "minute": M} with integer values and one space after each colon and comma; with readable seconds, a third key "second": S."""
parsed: {"hour": 5, "minute": 56, "second": 47}
